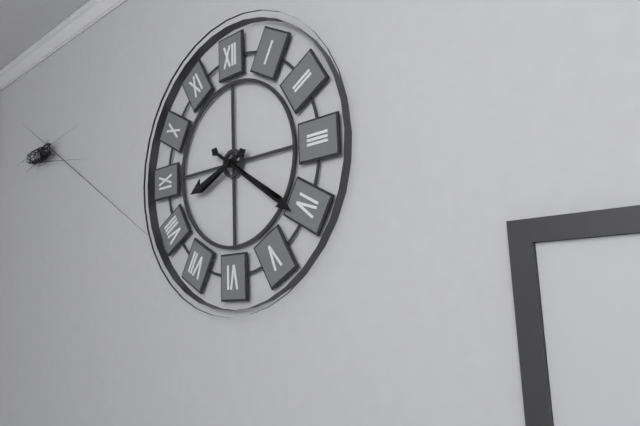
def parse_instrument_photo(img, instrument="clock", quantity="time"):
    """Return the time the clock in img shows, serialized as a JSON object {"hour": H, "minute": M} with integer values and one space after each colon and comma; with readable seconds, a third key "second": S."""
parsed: {"hour": 8, "minute": 21}
